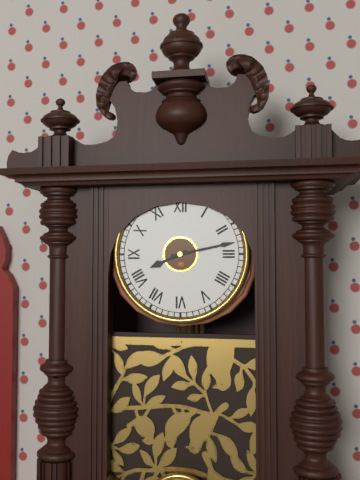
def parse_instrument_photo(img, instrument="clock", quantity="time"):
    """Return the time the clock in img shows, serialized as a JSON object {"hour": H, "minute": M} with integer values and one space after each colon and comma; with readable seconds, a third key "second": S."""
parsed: {"hour": 8, "minute": 13}
